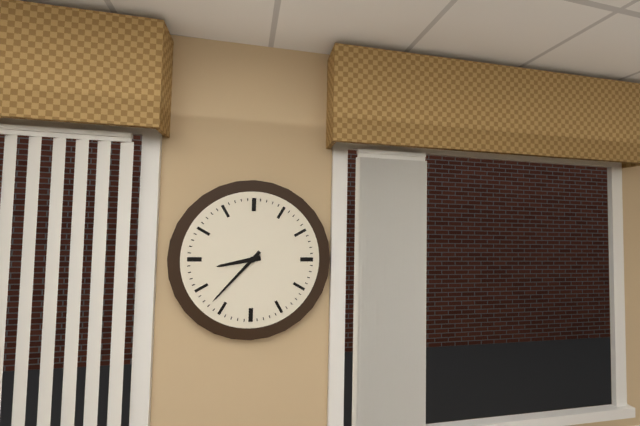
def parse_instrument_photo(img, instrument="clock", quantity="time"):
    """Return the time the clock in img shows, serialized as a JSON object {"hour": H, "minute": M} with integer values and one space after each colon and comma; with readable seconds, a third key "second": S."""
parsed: {"hour": 8, "minute": 37}
